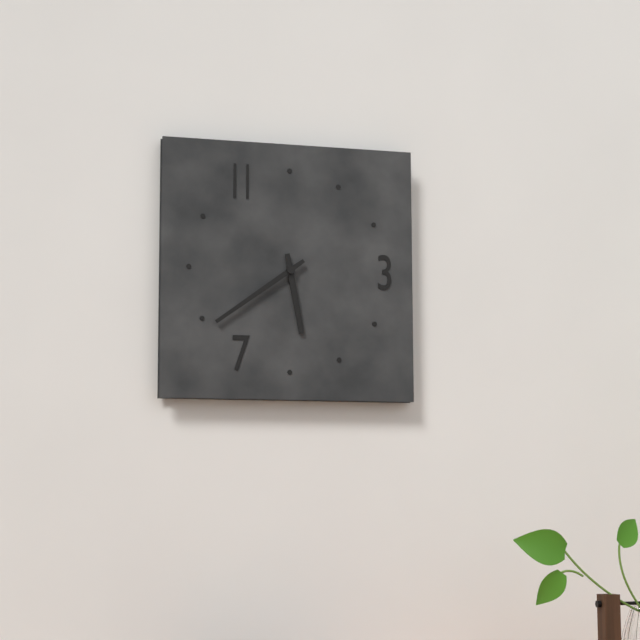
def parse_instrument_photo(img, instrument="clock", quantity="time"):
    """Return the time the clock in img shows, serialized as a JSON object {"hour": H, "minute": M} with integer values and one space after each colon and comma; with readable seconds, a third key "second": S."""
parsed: {"hour": 5, "minute": 39}
